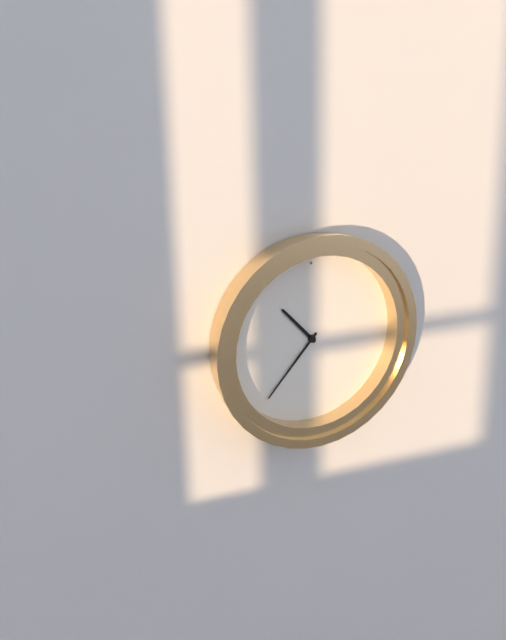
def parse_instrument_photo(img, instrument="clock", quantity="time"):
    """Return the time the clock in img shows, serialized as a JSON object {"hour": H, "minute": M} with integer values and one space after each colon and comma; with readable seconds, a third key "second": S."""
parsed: {"hour": 10, "minute": 37}
